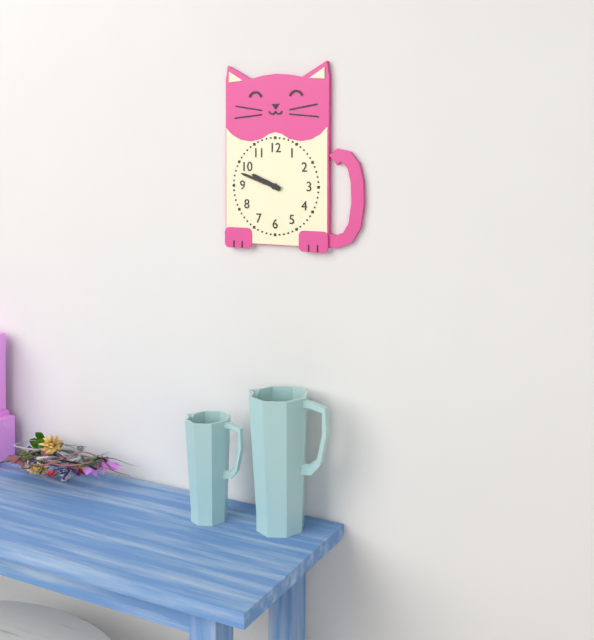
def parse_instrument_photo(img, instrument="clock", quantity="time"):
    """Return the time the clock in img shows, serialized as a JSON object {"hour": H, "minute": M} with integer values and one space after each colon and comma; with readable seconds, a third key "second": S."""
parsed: {"hour": 9, "minute": 48}
